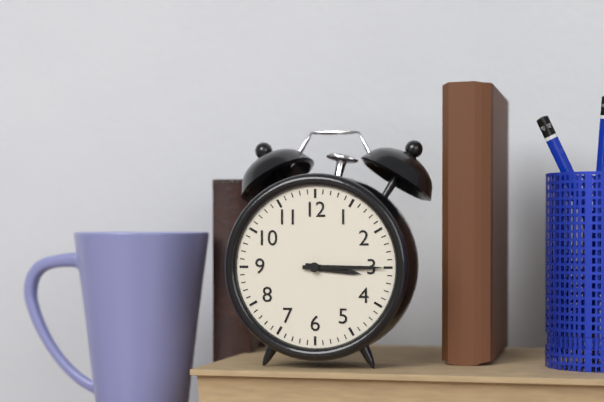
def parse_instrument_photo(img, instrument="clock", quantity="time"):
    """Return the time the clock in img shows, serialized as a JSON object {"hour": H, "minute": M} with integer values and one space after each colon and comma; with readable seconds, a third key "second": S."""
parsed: {"hour": 3, "minute": 15}
